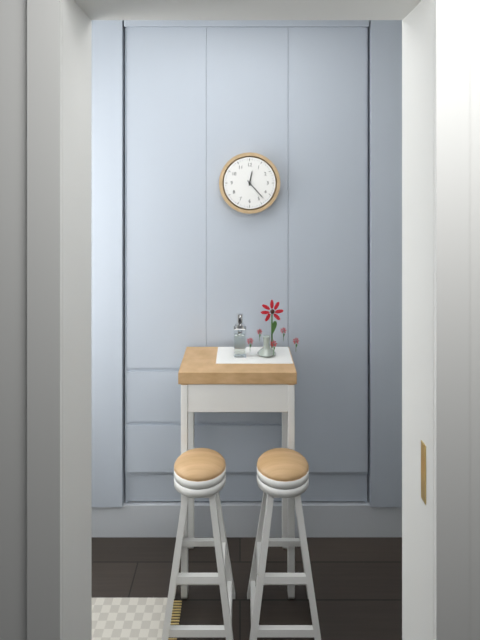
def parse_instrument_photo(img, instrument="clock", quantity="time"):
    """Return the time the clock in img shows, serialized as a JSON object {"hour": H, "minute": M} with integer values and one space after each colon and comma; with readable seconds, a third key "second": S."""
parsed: {"hour": 12, "minute": 23}
